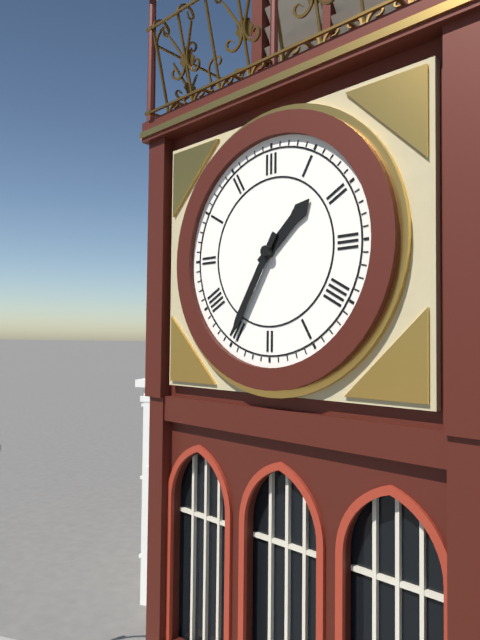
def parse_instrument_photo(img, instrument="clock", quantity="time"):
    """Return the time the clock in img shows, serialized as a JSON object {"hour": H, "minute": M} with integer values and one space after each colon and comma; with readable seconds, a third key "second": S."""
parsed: {"hour": 1, "minute": 35}
